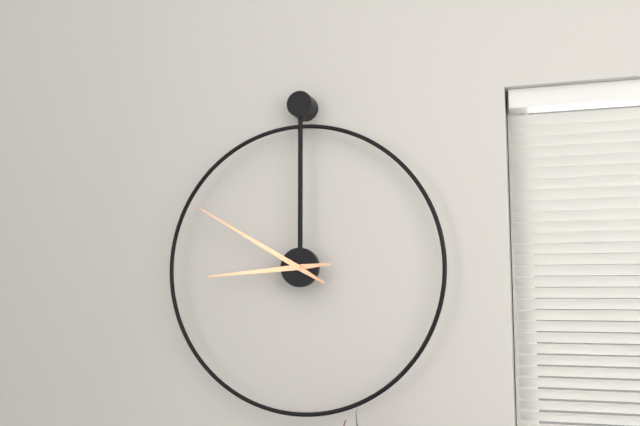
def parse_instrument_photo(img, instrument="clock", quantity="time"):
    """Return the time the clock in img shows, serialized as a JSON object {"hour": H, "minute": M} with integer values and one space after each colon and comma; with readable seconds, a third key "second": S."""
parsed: {"hour": 8, "minute": 50}
